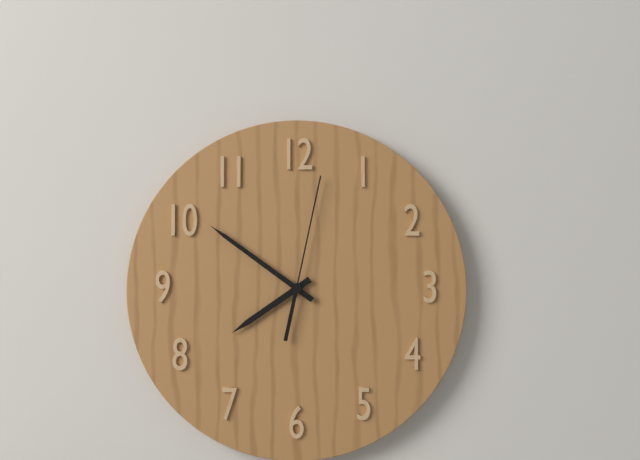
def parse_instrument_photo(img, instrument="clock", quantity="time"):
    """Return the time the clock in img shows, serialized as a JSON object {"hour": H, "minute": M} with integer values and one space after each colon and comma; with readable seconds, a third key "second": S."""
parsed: {"hour": 7, "minute": 51, "second": 2}
